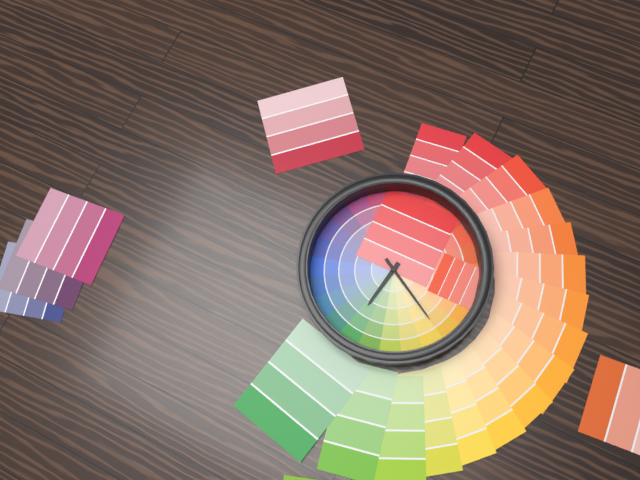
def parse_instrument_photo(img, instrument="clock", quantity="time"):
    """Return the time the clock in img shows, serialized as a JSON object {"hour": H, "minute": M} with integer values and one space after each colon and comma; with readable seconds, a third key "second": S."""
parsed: {"hour": 6, "minute": 20}
